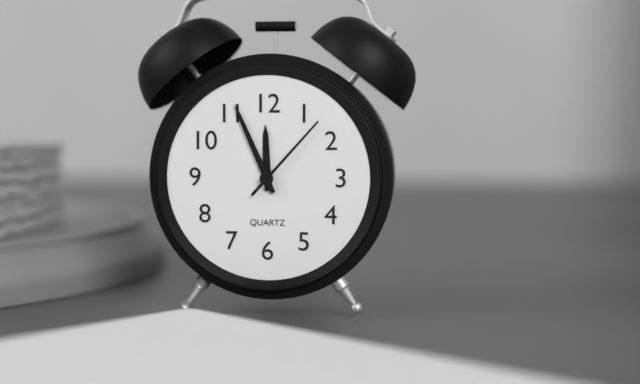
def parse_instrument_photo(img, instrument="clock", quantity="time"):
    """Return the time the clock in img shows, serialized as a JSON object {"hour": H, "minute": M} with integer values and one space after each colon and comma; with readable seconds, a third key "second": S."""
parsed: {"hour": 11, "minute": 56, "second": 7}
